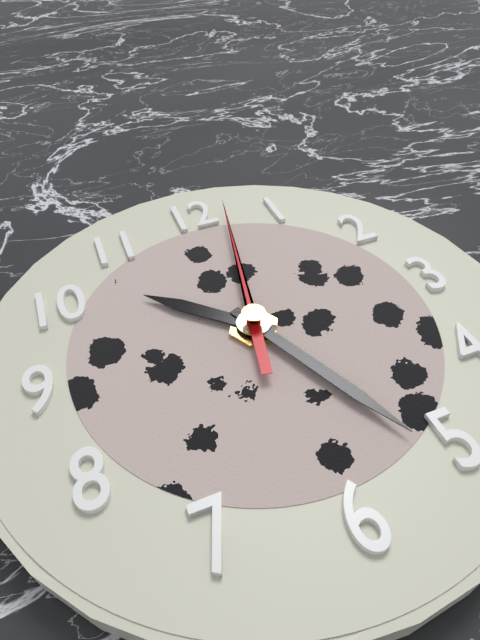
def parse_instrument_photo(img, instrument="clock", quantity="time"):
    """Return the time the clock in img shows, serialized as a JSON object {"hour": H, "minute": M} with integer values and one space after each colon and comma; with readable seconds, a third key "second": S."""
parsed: {"hour": 10, "minute": 26, "second": 2}
